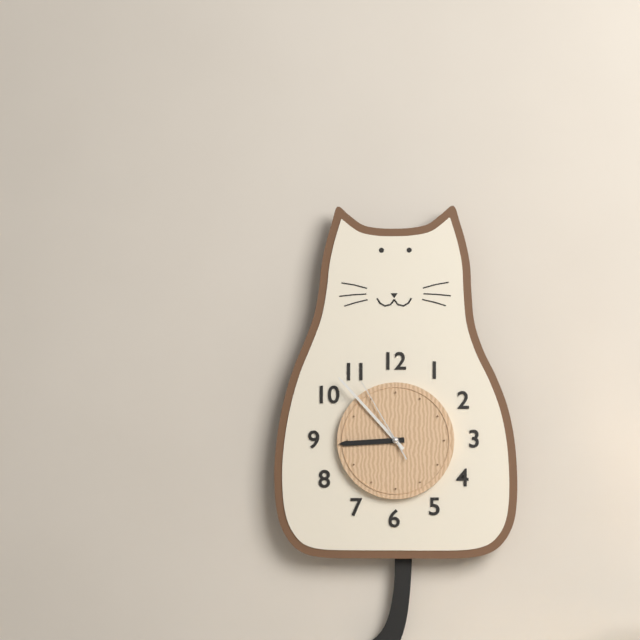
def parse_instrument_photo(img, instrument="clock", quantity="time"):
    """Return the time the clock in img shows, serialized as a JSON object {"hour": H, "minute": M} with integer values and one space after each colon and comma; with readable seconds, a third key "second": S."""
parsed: {"hour": 8, "minute": 53, "second": 55}
